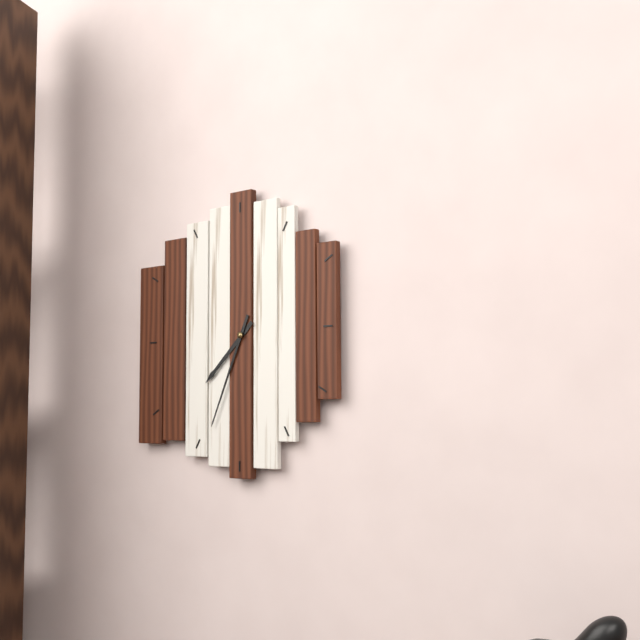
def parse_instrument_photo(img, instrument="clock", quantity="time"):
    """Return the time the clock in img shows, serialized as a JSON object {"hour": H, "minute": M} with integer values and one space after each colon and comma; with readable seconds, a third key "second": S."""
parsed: {"hour": 7, "minute": 34}
